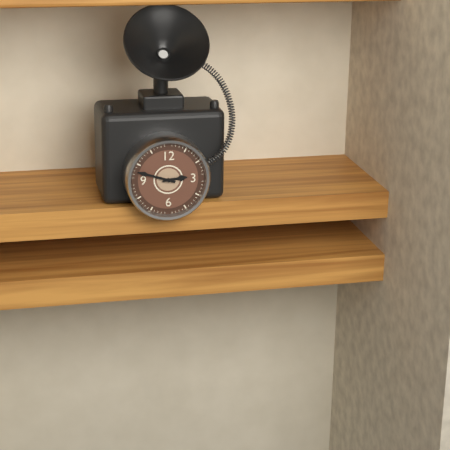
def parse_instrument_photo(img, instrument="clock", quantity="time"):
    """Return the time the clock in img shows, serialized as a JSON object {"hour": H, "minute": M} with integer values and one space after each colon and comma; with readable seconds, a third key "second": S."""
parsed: {"hour": 2, "minute": 48}
